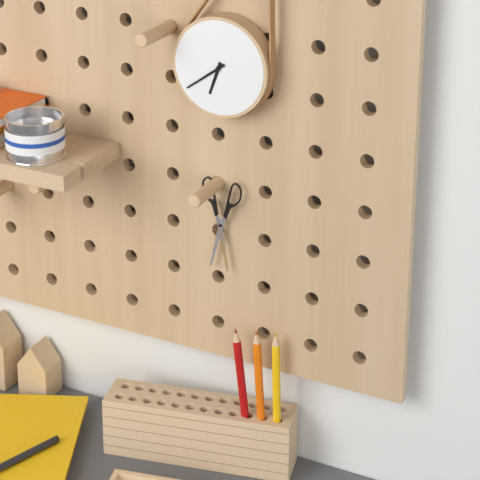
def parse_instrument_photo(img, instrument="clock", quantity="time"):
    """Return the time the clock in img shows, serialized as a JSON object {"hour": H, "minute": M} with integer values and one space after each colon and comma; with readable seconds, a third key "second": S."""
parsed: {"hour": 6, "minute": 39}
